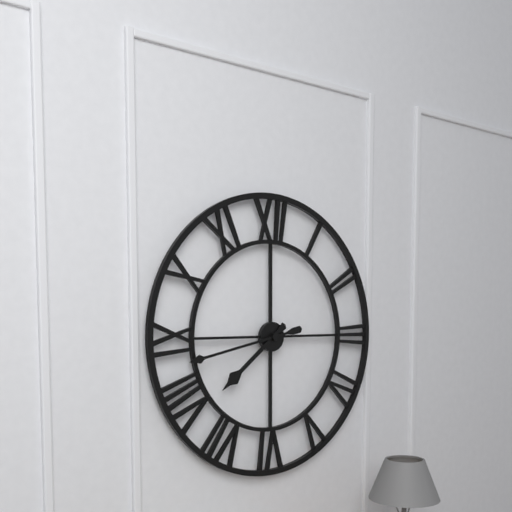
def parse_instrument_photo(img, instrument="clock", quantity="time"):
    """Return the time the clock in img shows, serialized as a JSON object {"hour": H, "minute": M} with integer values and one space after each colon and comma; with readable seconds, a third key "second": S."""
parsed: {"hour": 7, "minute": 43}
